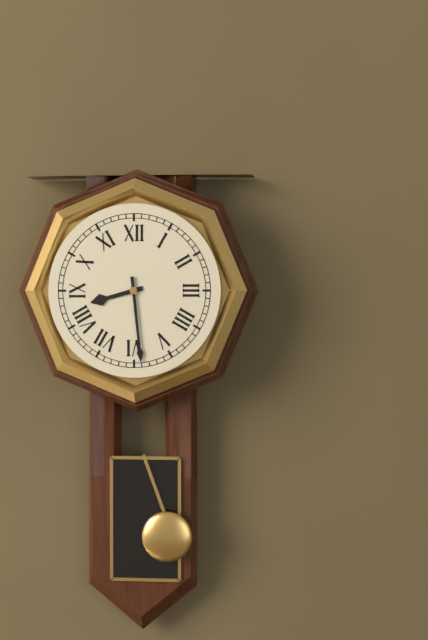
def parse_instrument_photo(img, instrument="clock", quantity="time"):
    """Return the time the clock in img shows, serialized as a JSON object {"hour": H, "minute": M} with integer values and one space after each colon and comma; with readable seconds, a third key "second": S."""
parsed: {"hour": 8, "minute": 29}
